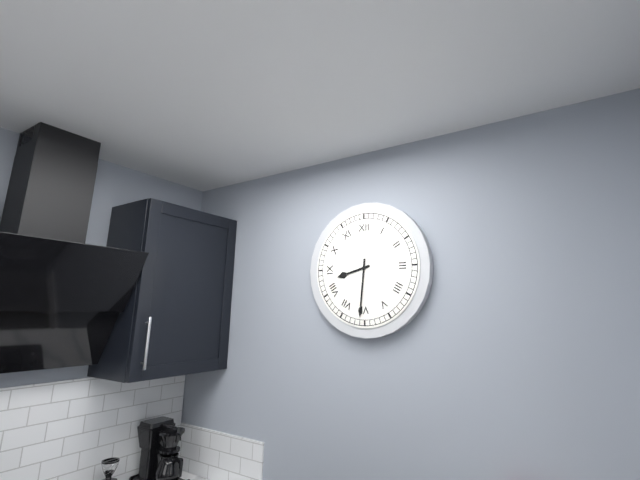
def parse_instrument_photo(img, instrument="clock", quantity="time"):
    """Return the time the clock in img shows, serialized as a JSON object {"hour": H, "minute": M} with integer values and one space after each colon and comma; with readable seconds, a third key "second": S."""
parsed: {"hour": 8, "minute": 31}
